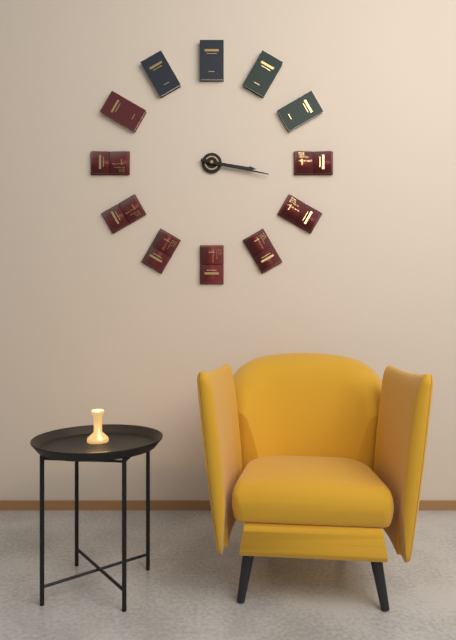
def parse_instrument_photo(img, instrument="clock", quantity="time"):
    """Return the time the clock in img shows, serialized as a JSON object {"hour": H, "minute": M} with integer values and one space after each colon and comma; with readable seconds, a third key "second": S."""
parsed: {"hour": 3, "minute": 17}
